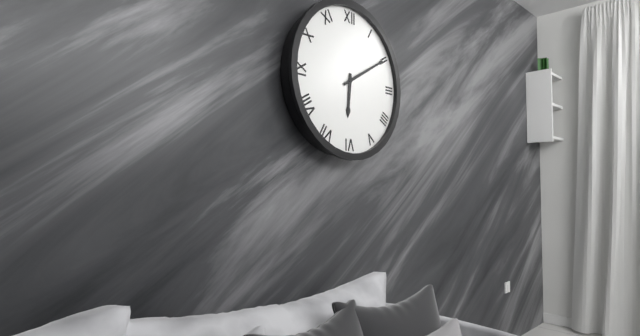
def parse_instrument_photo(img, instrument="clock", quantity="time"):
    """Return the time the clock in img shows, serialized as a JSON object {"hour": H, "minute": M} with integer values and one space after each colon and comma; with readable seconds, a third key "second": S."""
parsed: {"hour": 6, "minute": 10}
